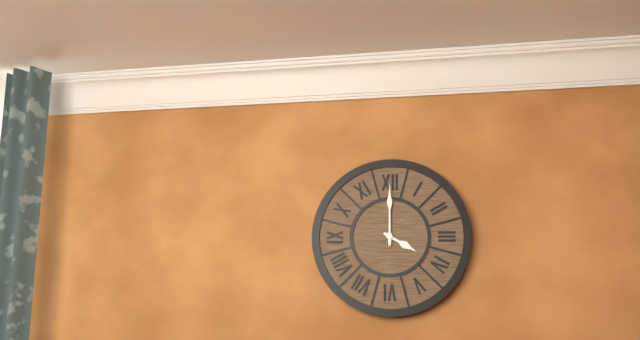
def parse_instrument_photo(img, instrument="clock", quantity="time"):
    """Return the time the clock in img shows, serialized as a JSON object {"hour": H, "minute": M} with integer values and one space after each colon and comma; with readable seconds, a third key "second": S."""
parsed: {"hour": 4, "minute": 0}
